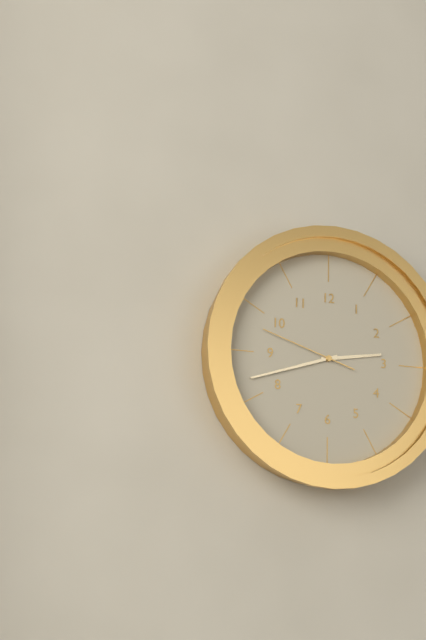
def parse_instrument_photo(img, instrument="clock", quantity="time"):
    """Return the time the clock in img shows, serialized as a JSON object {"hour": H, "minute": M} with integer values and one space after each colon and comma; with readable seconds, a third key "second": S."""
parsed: {"hour": 2, "minute": 42, "second": 48}
